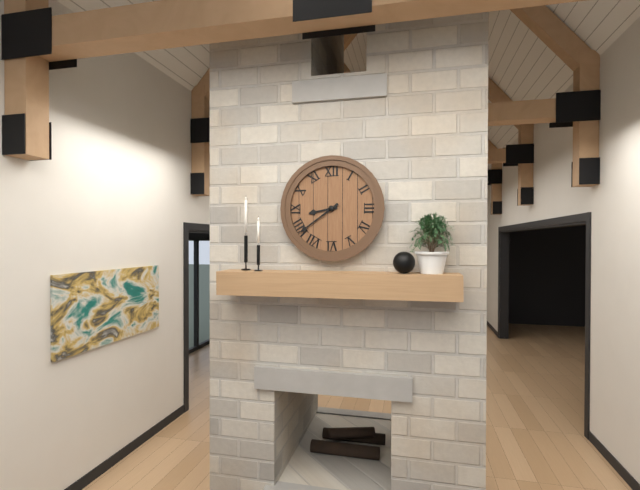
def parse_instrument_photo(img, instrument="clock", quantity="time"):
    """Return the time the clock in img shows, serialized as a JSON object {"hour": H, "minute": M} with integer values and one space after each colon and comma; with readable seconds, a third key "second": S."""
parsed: {"hour": 8, "minute": 39}
